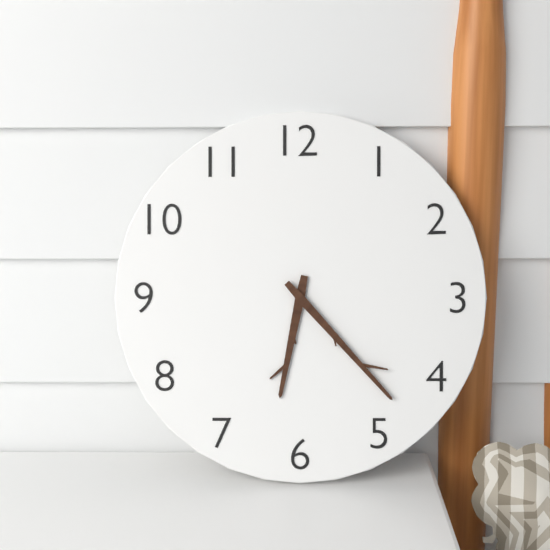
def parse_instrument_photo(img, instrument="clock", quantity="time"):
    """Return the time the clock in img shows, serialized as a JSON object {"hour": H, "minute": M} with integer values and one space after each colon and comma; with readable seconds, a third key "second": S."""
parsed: {"hour": 6, "minute": 23}
